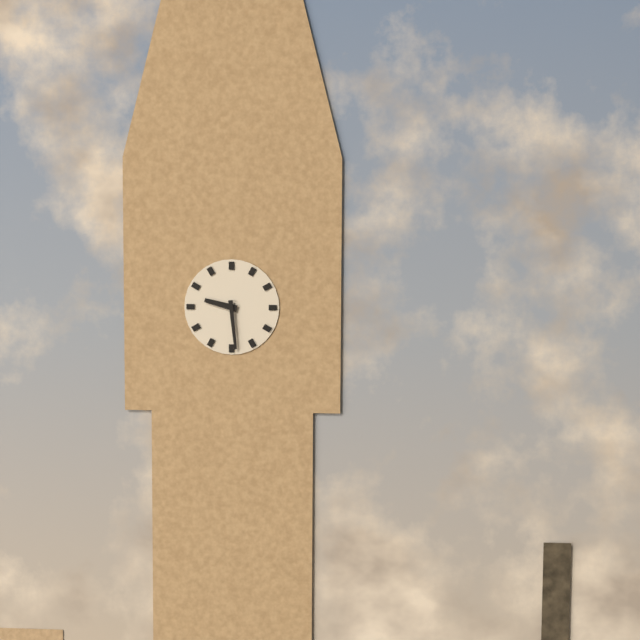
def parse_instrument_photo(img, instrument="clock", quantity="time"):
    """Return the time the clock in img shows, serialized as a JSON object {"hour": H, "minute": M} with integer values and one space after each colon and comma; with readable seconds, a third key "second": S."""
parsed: {"hour": 9, "minute": 29}
